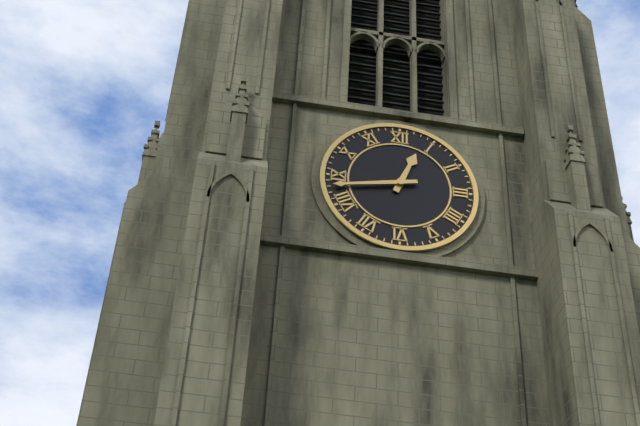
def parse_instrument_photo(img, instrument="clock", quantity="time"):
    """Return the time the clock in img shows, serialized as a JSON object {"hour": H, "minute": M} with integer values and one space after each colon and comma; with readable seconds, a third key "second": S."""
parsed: {"hour": 12, "minute": 43}
